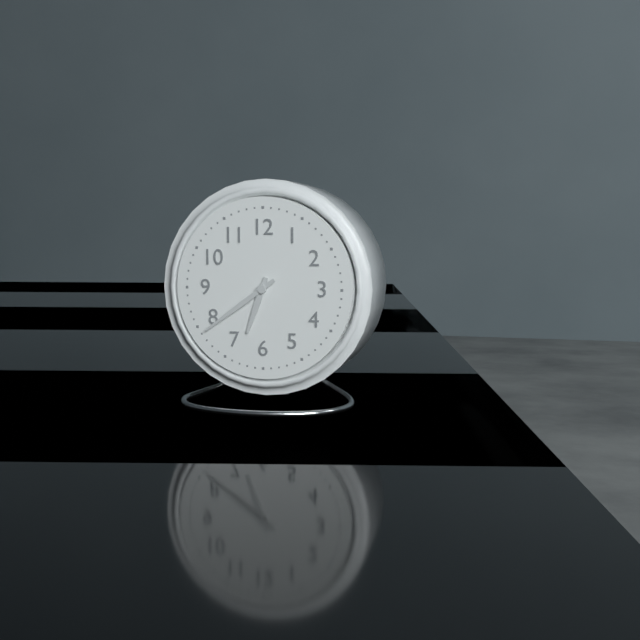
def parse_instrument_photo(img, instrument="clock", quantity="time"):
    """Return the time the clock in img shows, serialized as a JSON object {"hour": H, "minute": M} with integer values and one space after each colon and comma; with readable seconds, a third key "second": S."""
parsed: {"hour": 6, "minute": 39}
